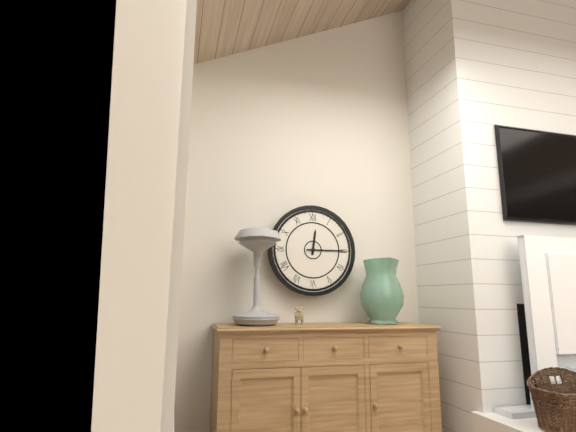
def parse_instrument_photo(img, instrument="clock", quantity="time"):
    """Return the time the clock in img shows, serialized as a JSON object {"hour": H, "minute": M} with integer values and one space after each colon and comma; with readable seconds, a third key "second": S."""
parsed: {"hour": 12, "minute": 15}
